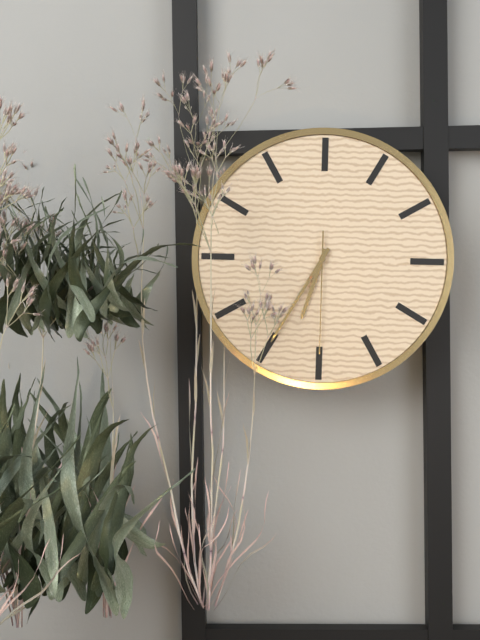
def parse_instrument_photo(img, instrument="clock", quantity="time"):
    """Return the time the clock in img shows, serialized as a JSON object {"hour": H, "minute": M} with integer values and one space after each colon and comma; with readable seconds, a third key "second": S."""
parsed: {"hour": 6, "minute": 35, "second": 30}
